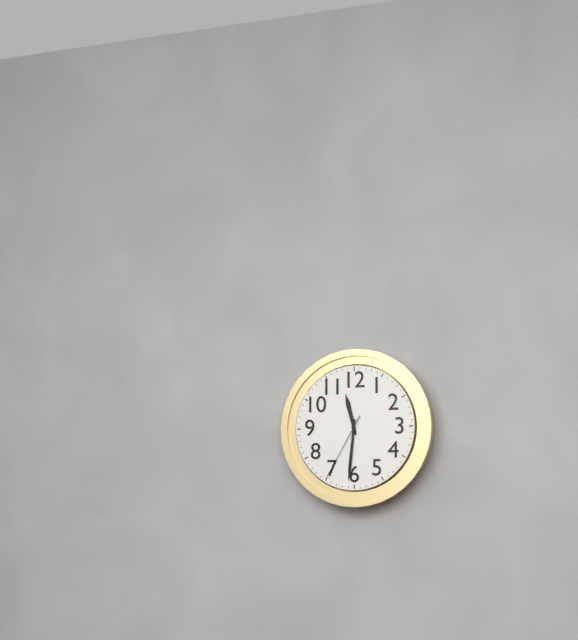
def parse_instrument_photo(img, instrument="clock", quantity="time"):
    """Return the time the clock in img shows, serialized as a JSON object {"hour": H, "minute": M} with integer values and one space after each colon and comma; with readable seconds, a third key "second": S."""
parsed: {"hour": 11, "minute": 31, "second": 35}
